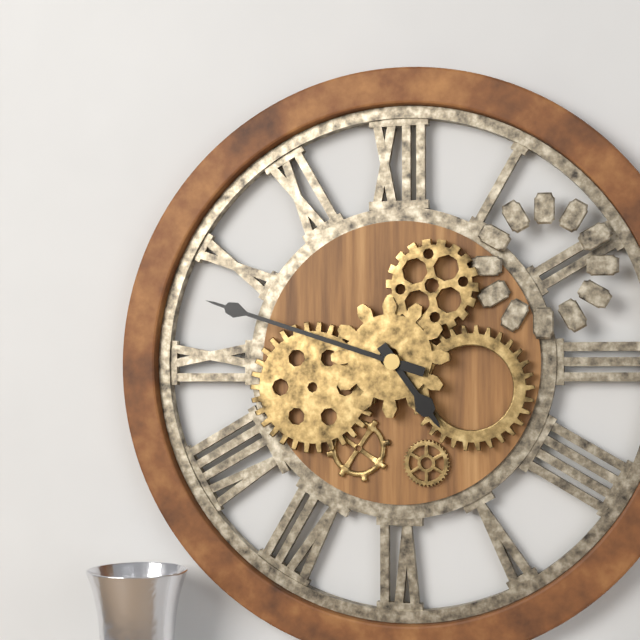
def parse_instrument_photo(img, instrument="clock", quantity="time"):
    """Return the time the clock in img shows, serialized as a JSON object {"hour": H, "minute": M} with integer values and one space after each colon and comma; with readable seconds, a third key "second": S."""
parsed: {"hour": 4, "minute": 48}
